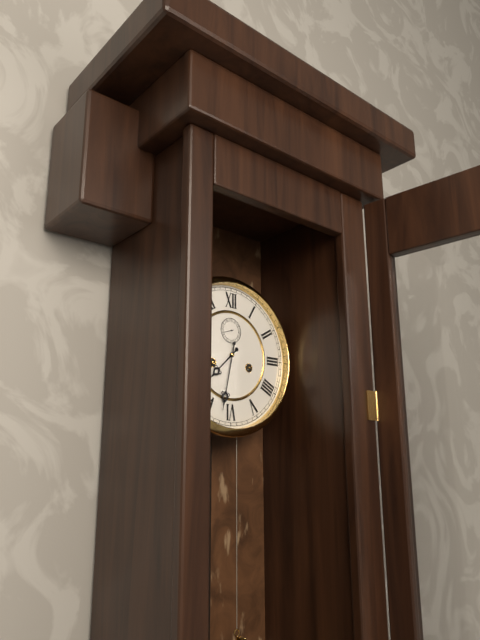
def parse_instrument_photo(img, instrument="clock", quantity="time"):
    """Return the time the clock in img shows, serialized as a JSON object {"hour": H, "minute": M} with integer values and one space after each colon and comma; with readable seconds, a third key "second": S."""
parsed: {"hour": 7, "minute": 32}
